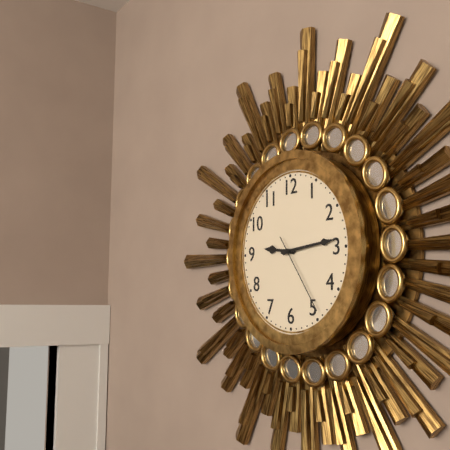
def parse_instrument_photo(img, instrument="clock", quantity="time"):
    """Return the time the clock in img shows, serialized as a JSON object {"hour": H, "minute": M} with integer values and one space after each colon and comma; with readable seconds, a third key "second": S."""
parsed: {"hour": 9, "minute": 14, "second": 24}
